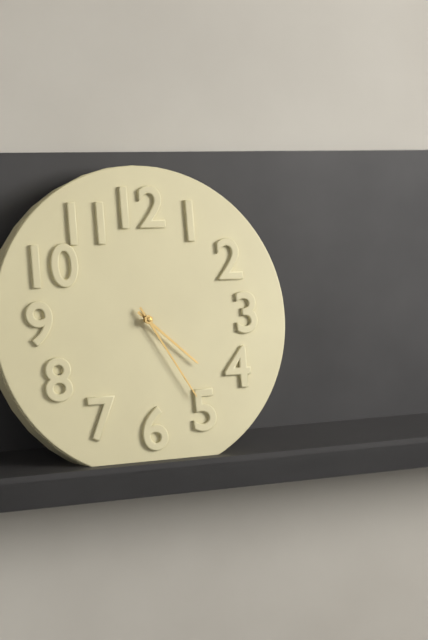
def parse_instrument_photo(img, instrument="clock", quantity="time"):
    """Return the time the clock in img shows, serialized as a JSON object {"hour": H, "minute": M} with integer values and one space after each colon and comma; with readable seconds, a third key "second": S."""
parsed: {"hour": 4, "minute": 25}
